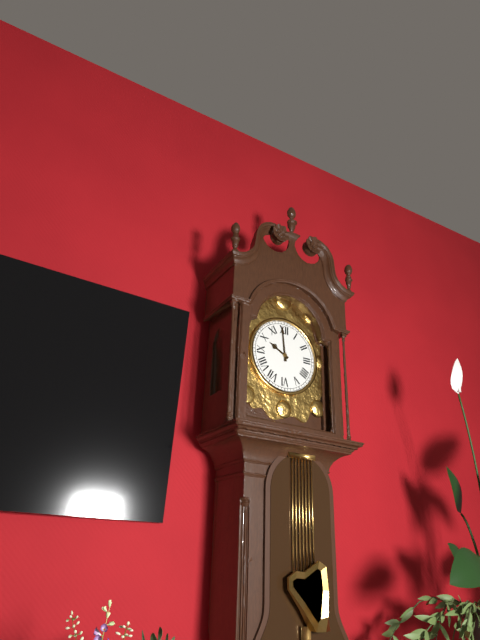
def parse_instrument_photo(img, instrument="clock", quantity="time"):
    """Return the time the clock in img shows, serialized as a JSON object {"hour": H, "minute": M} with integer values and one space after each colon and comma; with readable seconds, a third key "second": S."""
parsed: {"hour": 9, "minute": 59}
